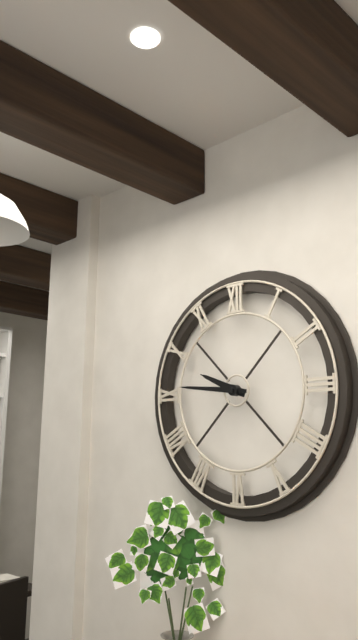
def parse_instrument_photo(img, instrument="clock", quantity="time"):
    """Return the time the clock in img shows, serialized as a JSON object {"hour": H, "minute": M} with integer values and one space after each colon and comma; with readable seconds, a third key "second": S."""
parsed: {"hour": 9, "minute": 46}
